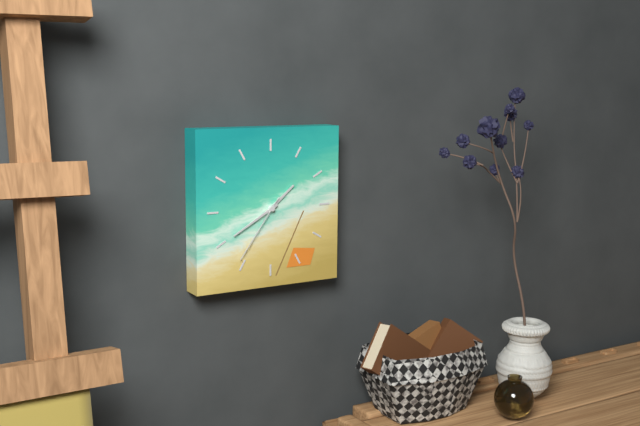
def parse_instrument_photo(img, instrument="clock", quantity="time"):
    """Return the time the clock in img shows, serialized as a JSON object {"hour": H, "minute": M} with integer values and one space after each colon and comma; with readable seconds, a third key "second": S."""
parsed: {"hour": 1, "minute": 40, "second": 36}
